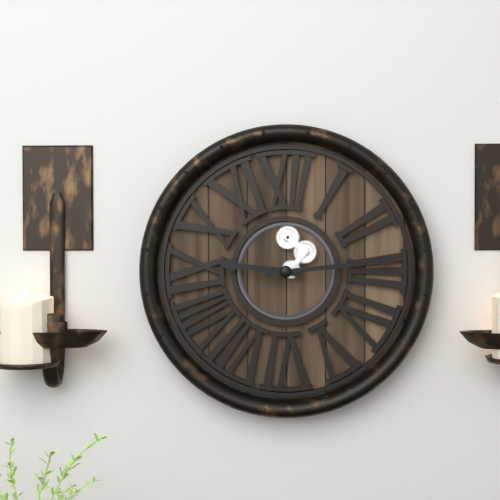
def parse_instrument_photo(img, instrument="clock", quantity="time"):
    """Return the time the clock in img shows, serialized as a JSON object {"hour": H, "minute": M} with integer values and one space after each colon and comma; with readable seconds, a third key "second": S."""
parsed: {"hour": 9, "minute": 14}
